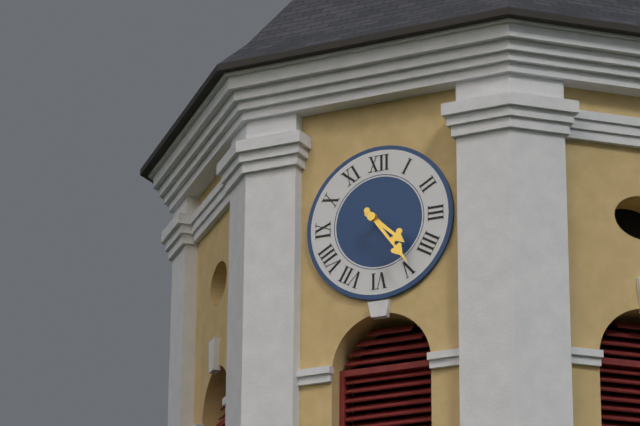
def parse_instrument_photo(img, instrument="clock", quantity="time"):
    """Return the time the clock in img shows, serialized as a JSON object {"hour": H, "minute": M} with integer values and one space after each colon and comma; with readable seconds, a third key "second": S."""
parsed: {"hour": 4, "minute": 24}
